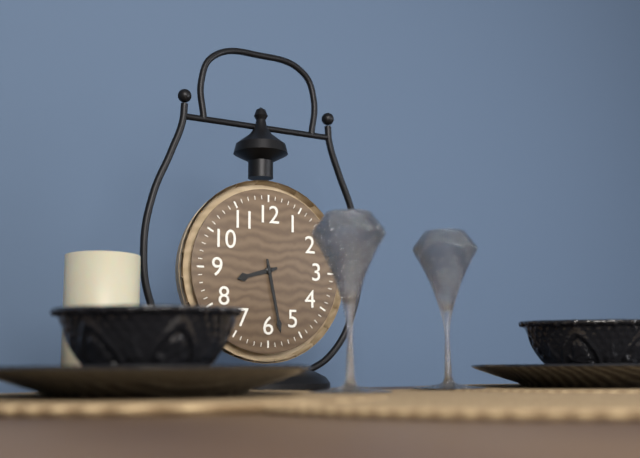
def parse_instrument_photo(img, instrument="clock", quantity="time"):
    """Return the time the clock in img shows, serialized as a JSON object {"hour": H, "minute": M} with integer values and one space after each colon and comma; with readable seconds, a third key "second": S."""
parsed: {"hour": 8, "minute": 28}
